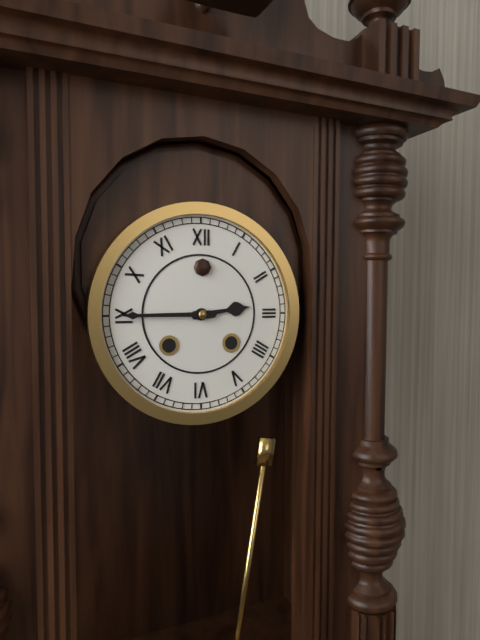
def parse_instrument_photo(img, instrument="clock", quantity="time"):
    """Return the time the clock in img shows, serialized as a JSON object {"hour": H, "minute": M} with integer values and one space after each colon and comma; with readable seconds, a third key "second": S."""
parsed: {"hour": 2, "minute": 45}
